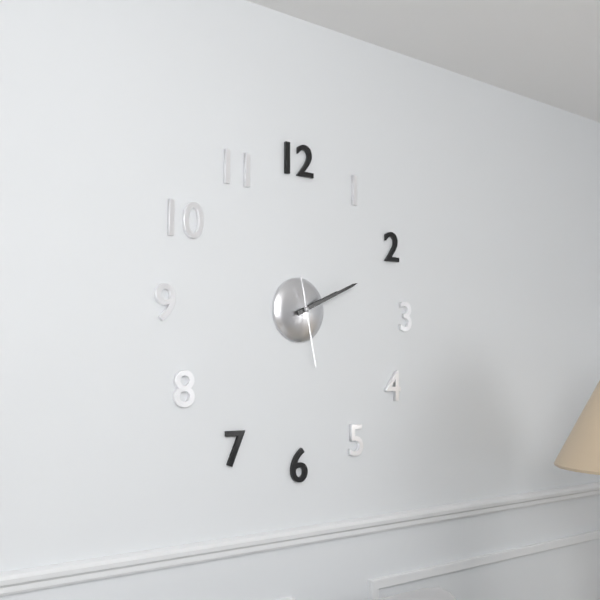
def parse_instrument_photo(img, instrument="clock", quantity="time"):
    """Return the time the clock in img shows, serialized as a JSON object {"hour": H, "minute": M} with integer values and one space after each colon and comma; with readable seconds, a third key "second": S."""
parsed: {"hour": 2, "minute": 11, "second": 28}
